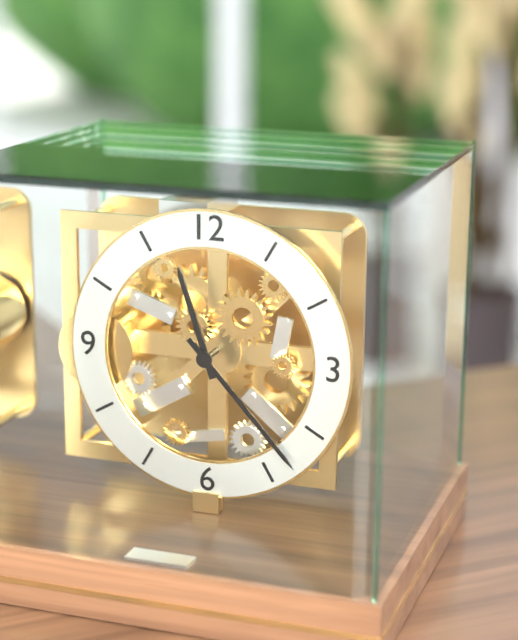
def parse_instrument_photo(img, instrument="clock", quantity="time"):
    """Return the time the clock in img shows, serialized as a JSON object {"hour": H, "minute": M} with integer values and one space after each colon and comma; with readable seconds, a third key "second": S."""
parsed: {"hour": 11, "minute": 23}
